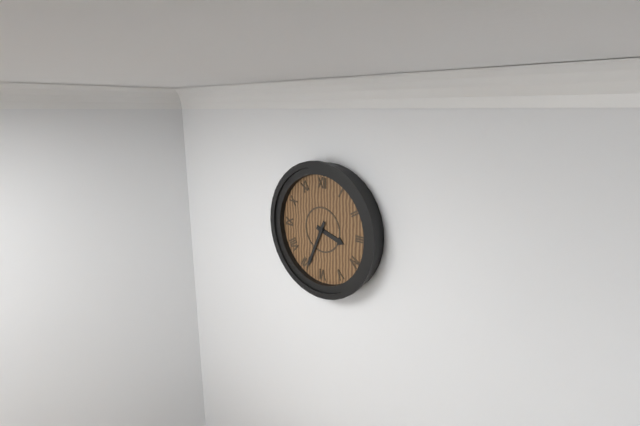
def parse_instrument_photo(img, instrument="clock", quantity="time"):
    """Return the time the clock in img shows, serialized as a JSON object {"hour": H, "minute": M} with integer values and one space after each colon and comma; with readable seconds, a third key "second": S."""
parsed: {"hour": 3, "minute": 34}
